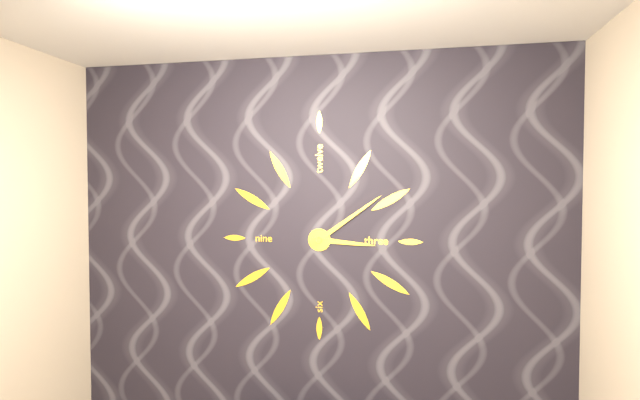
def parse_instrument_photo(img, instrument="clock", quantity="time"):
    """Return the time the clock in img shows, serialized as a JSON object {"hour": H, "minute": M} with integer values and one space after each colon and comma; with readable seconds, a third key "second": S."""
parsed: {"hour": 3, "minute": 9}
